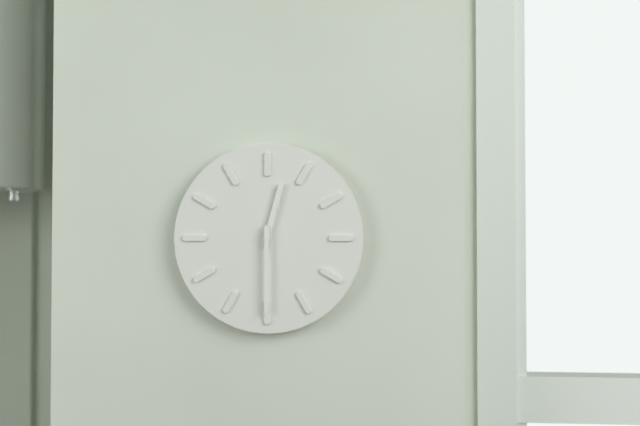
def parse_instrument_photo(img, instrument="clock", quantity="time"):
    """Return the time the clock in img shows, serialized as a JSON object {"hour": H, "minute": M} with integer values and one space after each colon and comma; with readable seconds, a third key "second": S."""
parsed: {"hour": 12, "minute": 30}
